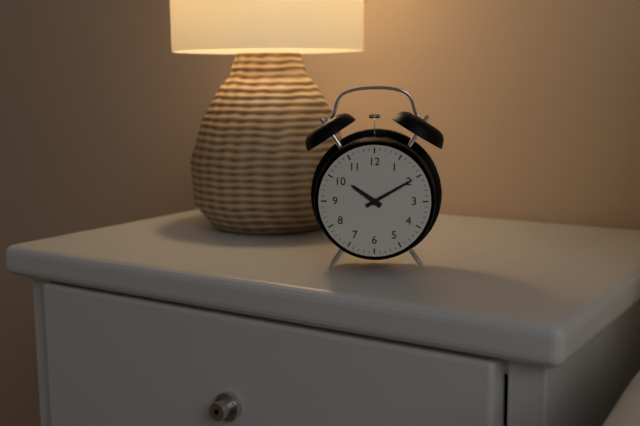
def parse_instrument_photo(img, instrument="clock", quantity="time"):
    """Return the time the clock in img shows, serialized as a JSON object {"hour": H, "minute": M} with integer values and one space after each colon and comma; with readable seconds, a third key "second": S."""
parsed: {"hour": 10, "minute": 10}
